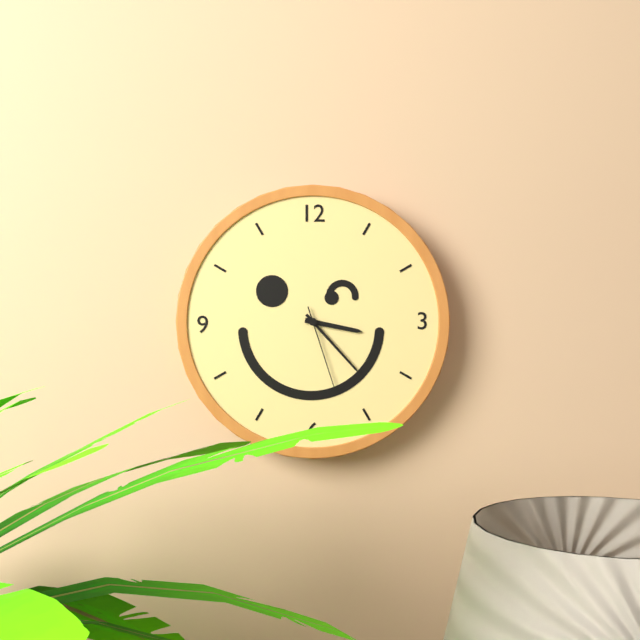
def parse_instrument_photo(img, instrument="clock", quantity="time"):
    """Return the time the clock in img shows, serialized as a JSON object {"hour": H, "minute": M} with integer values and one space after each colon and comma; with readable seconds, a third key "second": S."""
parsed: {"hour": 3, "minute": 23, "second": 27}
